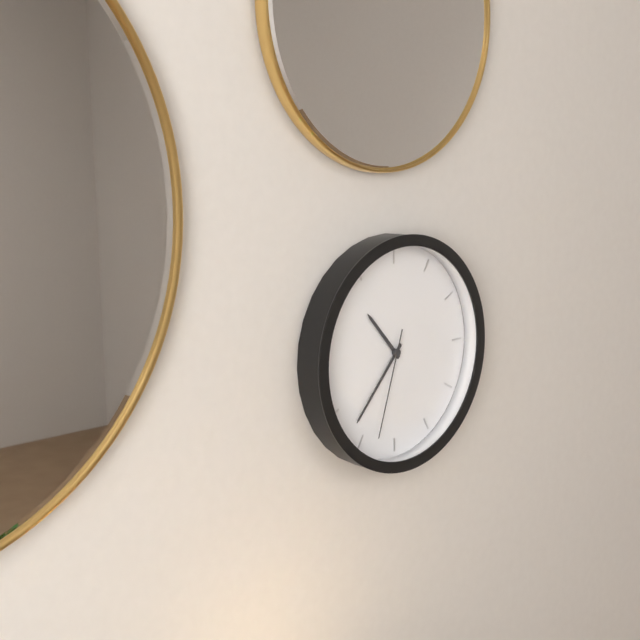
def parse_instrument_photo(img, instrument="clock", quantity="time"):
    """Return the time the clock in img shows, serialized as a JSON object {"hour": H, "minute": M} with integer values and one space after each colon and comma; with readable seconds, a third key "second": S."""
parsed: {"hour": 10, "minute": 37, "second": 33}
